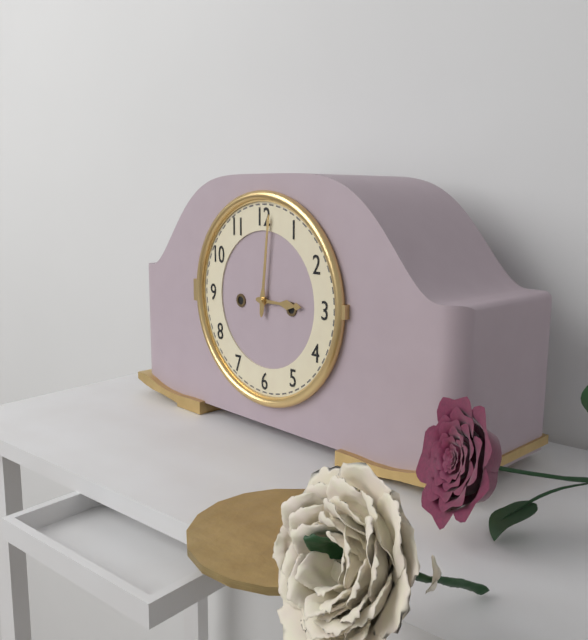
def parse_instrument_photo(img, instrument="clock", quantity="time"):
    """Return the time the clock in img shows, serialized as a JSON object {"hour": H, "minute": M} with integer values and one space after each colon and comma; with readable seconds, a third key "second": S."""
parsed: {"hour": 3, "minute": 1}
